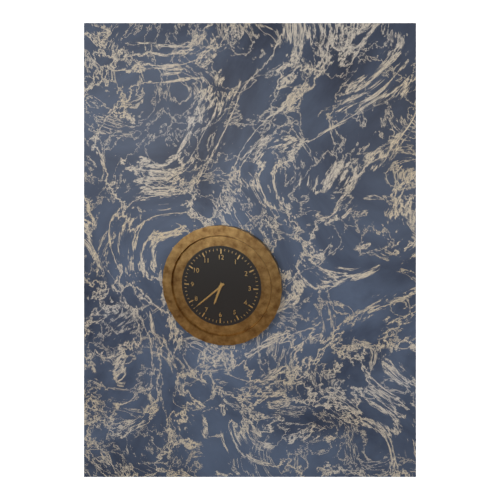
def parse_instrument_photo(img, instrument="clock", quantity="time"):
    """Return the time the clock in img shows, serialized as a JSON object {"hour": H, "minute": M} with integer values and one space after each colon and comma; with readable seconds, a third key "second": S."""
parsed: {"hour": 6, "minute": 38}
